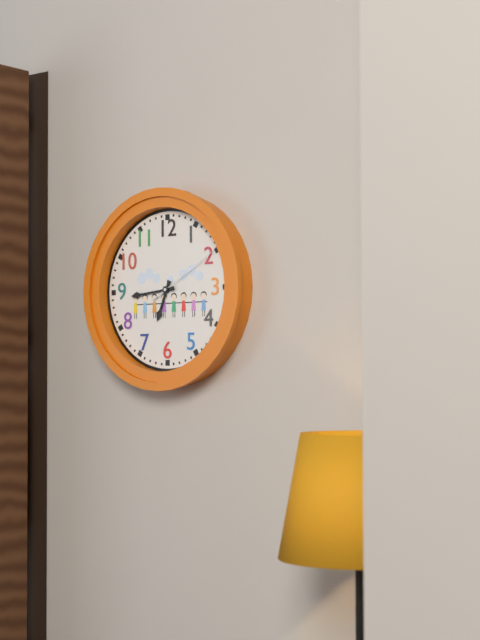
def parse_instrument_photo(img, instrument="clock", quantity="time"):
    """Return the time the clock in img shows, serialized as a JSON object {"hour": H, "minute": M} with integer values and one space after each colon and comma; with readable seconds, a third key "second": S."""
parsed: {"hour": 6, "minute": 44, "second": 10}
